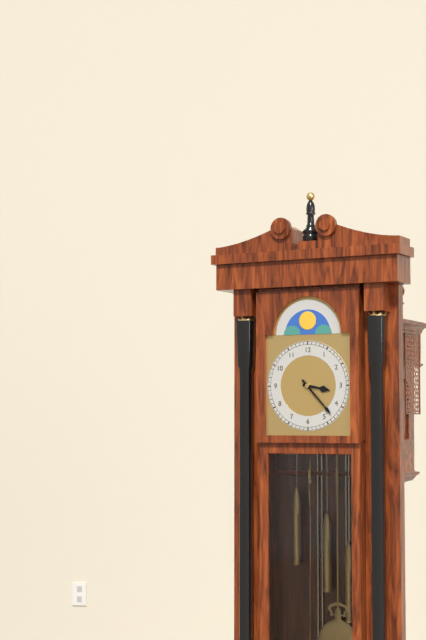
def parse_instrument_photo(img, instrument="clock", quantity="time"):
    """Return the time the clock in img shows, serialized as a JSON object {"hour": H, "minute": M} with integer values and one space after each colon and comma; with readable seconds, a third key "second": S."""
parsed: {"hour": 3, "minute": 23}
